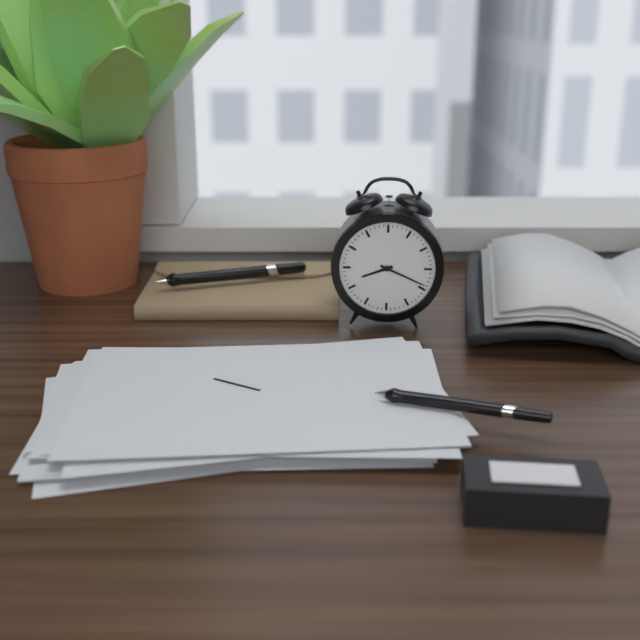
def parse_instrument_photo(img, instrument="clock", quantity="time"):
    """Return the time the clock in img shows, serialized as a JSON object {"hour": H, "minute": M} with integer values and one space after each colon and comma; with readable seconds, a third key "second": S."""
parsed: {"hour": 8, "minute": 19}
